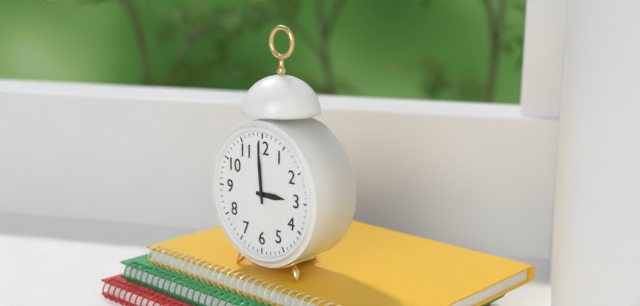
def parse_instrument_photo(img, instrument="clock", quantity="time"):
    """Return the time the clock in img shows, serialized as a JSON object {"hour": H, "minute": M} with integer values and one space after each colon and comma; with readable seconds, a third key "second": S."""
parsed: {"hour": 2, "minute": 59}
